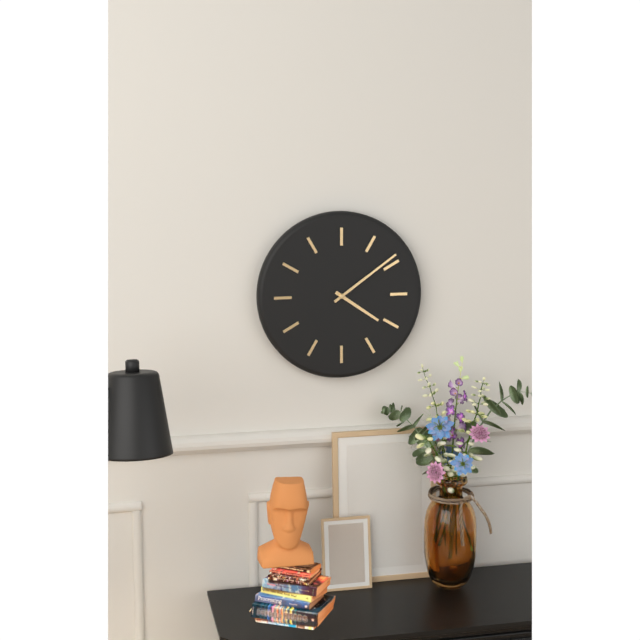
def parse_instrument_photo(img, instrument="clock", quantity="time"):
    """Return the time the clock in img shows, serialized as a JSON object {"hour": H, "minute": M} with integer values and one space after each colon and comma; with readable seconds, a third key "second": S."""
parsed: {"hour": 4, "minute": 9}
